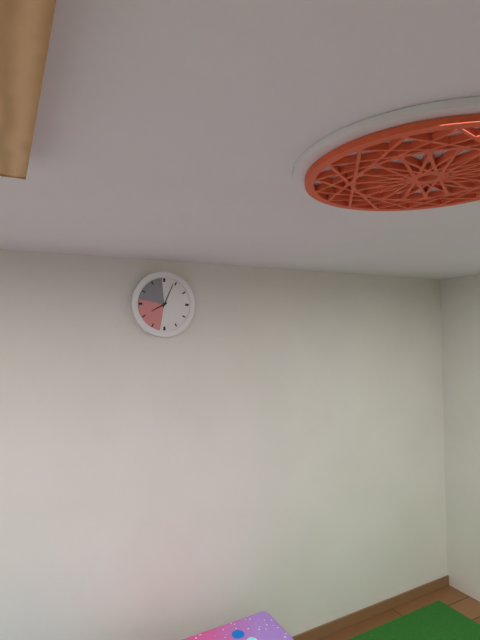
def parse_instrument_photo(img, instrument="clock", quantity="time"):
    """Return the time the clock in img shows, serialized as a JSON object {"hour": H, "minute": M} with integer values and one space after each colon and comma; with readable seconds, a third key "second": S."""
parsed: {"hour": 8, "minute": 4}
